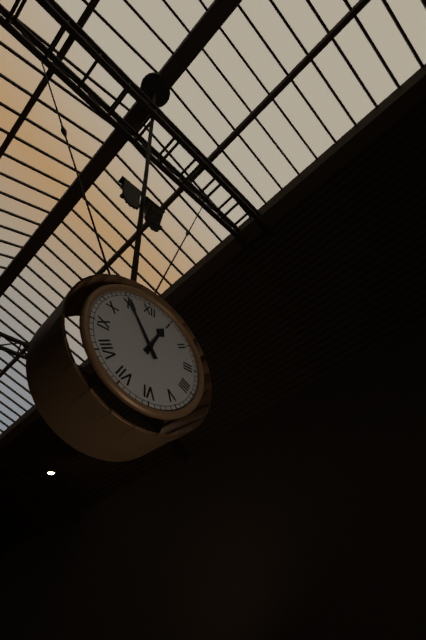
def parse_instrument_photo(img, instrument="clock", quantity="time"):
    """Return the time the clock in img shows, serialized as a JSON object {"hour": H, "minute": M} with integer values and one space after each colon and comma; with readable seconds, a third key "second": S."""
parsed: {"hour": 12, "minute": 55}
